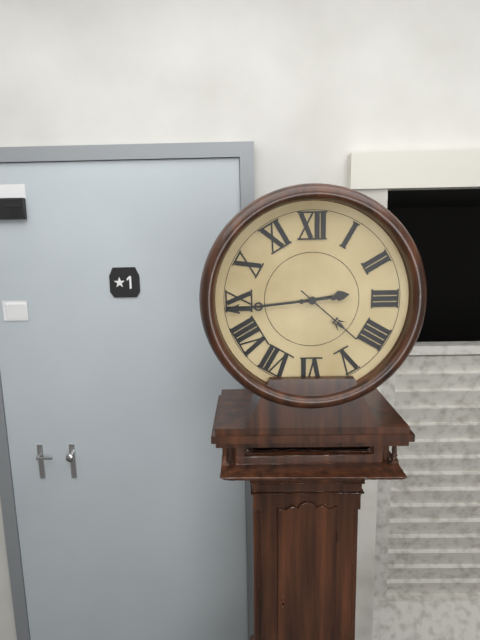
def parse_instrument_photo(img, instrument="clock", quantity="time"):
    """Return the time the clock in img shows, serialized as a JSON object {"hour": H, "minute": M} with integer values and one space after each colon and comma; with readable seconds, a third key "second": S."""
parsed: {"hour": 2, "minute": 44, "second": 22}
